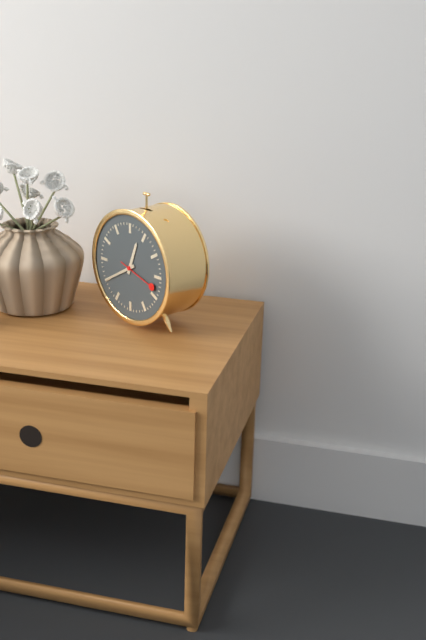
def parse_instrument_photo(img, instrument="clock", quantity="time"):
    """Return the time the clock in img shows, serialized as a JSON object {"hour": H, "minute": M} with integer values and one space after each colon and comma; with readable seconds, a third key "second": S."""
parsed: {"hour": 12, "minute": 40}
